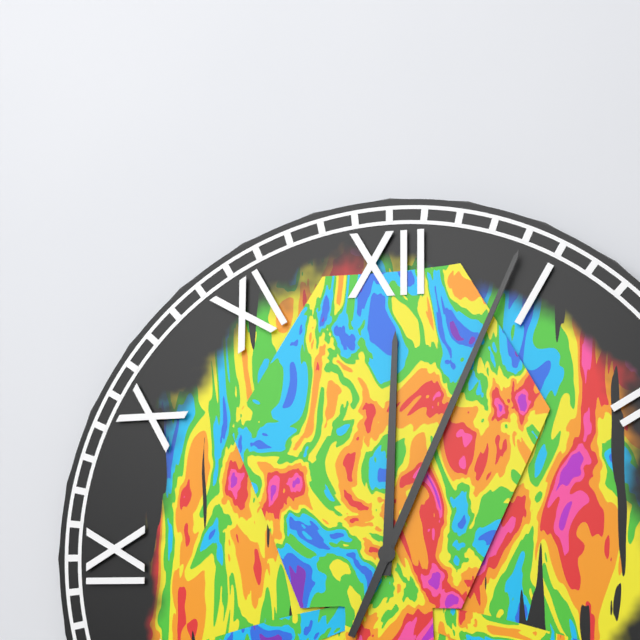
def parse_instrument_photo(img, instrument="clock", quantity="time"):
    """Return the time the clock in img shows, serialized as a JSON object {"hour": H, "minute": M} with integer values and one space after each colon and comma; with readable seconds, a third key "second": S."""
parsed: {"hour": 12, "minute": 4}
